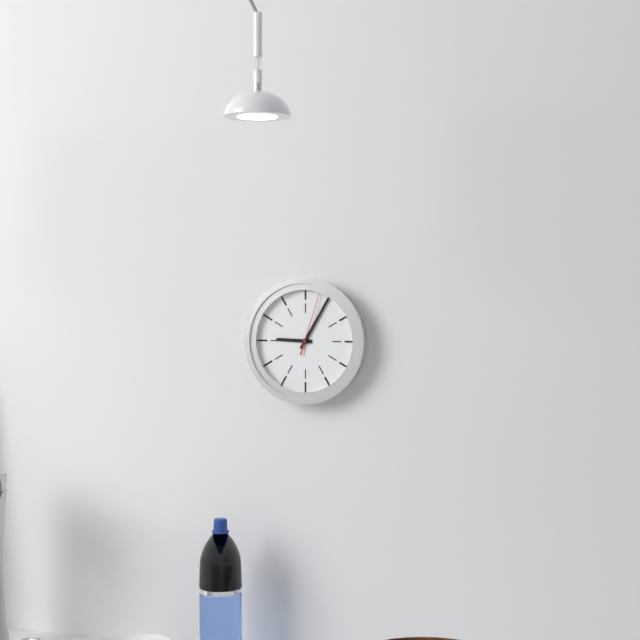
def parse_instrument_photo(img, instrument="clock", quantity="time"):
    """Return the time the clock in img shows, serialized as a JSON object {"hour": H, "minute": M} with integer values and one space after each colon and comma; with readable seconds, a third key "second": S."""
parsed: {"hour": 9, "minute": 5, "second": 3}
